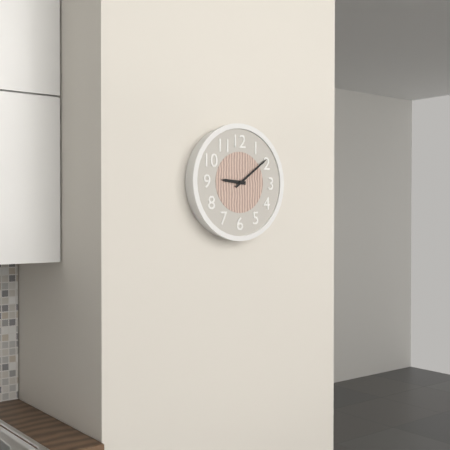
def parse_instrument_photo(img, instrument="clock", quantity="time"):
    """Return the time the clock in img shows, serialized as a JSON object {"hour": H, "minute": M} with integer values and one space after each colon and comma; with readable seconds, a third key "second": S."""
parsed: {"hour": 9, "minute": 9}
